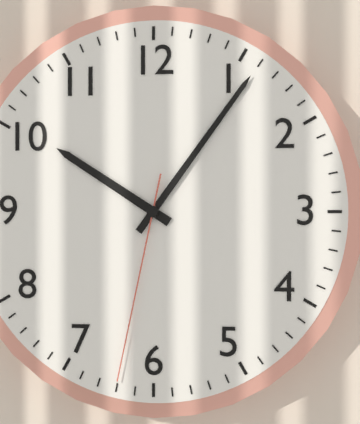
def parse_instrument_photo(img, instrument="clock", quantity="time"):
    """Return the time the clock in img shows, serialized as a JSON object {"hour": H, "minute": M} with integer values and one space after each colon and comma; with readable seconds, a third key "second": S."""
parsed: {"hour": 10, "minute": 6, "second": 32}
